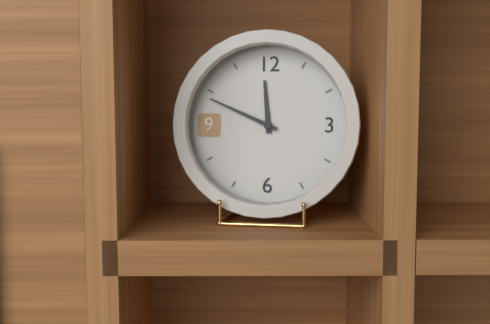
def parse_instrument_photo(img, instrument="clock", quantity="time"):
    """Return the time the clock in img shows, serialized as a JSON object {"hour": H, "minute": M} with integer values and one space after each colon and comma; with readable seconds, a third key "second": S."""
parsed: {"hour": 11, "minute": 49}
